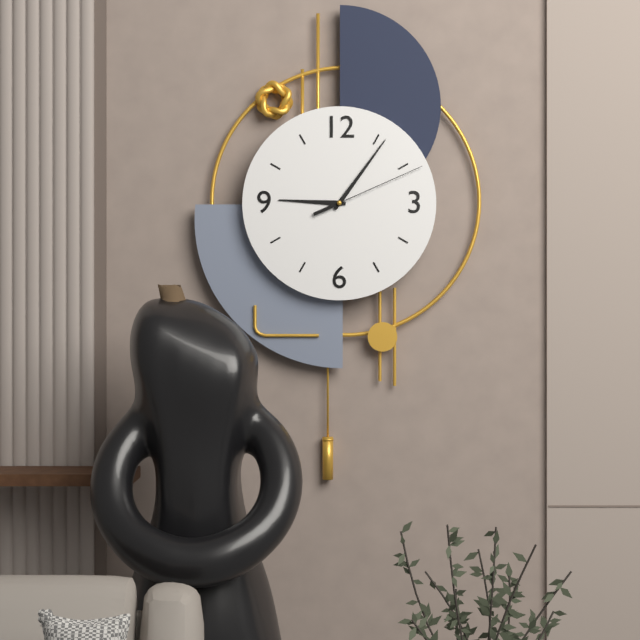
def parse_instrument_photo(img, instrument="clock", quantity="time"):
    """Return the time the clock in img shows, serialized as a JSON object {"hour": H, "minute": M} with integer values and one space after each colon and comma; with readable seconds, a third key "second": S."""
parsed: {"hour": 9, "minute": 6, "second": 11}
